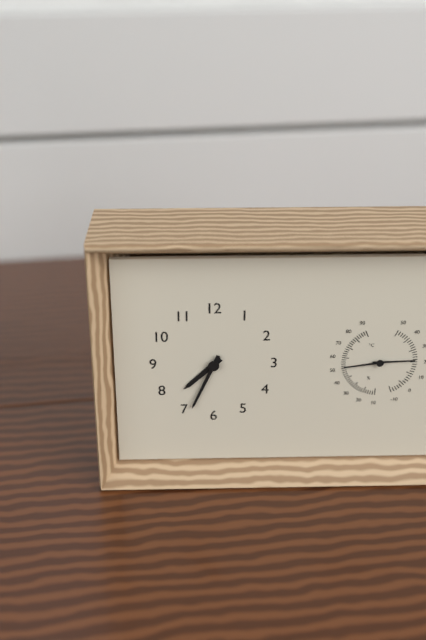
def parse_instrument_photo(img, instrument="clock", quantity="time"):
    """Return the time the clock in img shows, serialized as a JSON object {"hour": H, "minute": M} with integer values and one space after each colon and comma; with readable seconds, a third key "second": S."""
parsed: {"hour": 7, "minute": 34}
